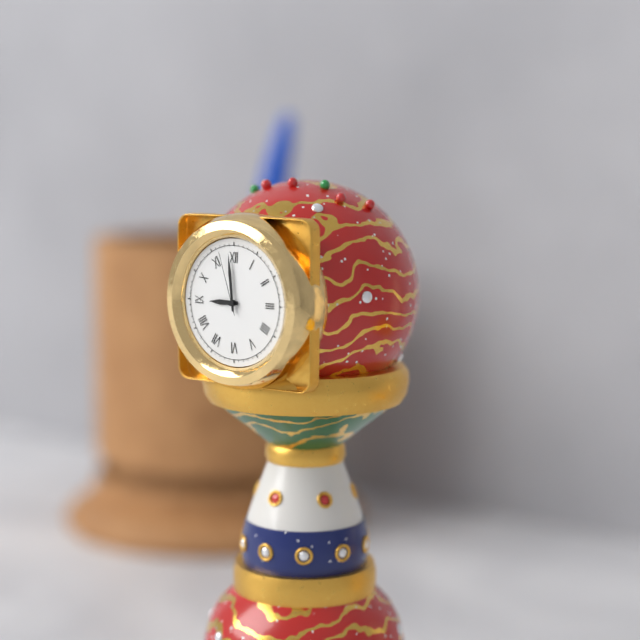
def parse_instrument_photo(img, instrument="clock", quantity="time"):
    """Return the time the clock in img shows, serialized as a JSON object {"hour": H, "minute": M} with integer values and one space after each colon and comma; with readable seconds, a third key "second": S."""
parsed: {"hour": 8, "minute": 59, "second": 57}
